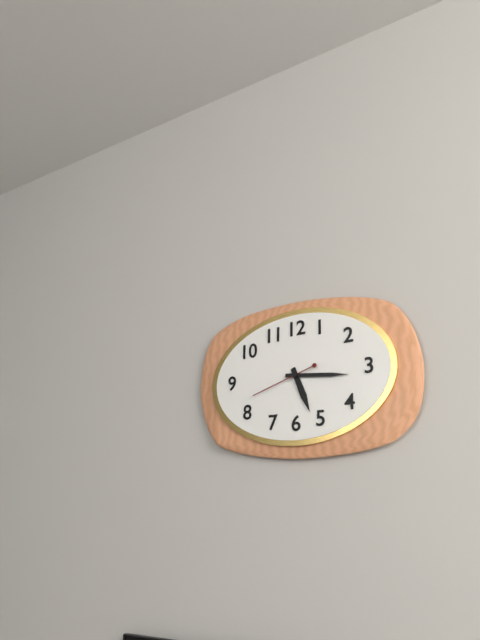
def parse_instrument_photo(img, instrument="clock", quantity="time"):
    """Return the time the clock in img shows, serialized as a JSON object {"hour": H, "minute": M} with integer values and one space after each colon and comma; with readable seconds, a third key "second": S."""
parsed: {"hour": 5, "minute": 16, "second": 42}
